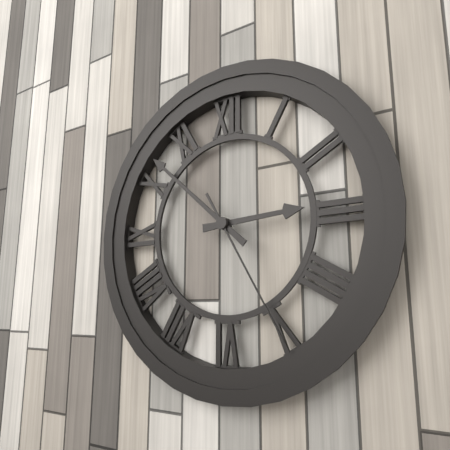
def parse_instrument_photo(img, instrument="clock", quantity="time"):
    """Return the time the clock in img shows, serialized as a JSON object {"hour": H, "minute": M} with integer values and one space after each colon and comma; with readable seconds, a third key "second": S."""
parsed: {"hour": 2, "minute": 52, "second": 25}
